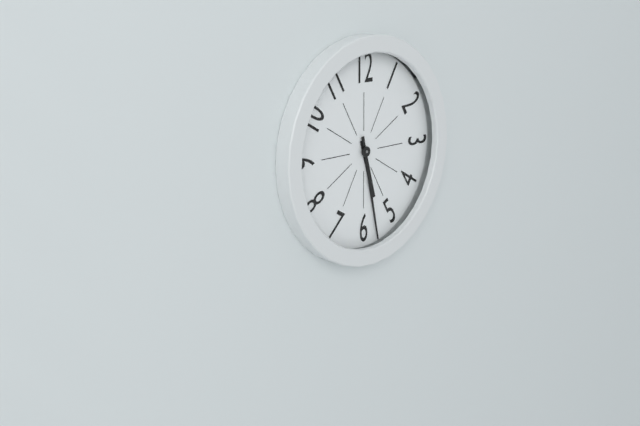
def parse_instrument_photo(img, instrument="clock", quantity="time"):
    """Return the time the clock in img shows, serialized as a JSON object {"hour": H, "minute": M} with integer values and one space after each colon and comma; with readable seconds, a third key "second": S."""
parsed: {"hour": 5, "minute": 28}
